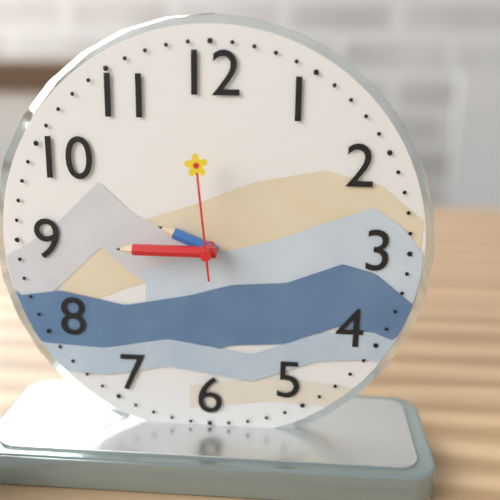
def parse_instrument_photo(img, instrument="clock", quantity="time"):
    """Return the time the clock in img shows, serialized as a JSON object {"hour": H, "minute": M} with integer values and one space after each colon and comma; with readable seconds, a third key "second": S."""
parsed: {"hour": 9, "minute": 45, "second": 59}
